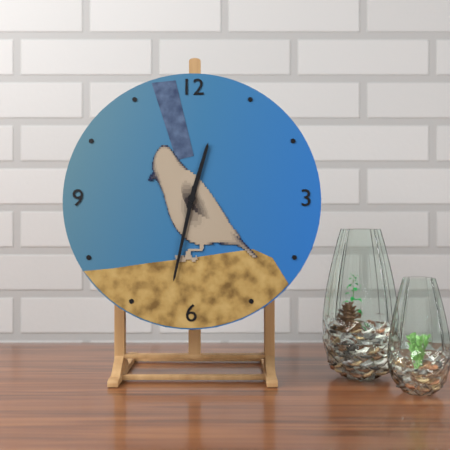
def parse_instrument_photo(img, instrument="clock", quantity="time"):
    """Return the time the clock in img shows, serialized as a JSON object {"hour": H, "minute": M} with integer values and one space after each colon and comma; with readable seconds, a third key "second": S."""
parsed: {"hour": 12, "minute": 32}
